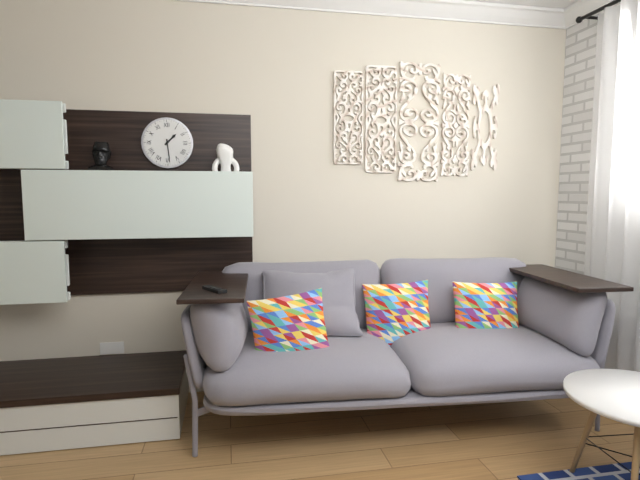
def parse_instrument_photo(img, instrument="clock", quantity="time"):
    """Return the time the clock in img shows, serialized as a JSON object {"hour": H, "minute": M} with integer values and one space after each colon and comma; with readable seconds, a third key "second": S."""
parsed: {"hour": 1, "minute": 29}
